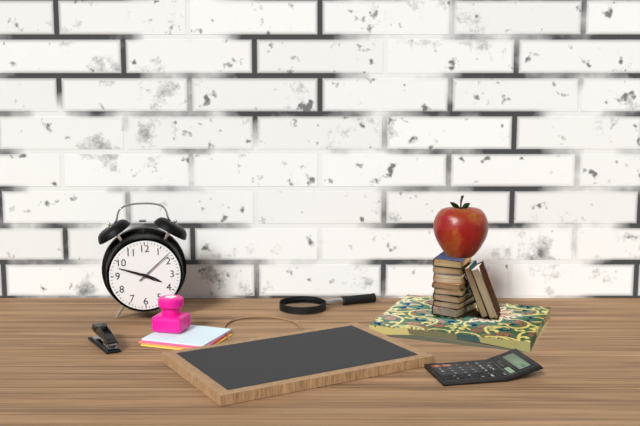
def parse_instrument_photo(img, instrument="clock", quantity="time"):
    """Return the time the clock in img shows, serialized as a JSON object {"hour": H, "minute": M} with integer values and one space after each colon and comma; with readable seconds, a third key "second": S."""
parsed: {"hour": 3, "minute": 48}
